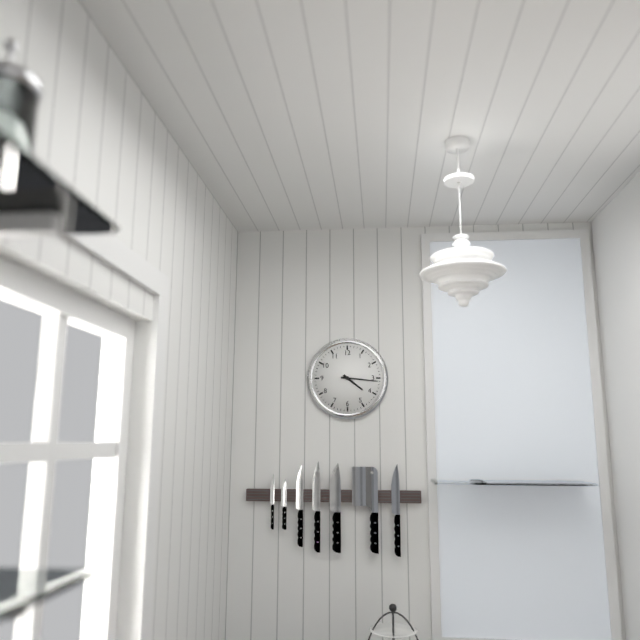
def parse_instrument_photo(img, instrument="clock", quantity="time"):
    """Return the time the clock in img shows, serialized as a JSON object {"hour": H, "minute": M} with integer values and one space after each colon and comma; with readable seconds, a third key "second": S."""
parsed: {"hour": 4, "minute": 16}
